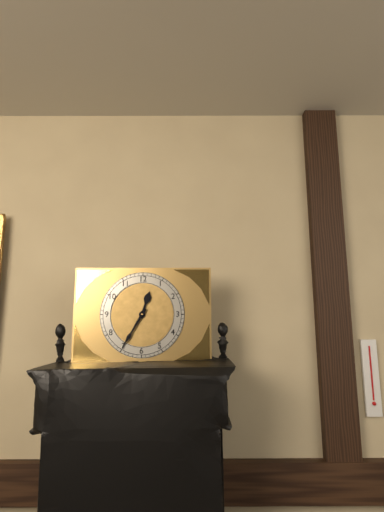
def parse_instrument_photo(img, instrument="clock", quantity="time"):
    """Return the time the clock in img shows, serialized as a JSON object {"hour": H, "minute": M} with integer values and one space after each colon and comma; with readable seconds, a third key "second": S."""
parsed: {"hour": 12, "minute": 35}
